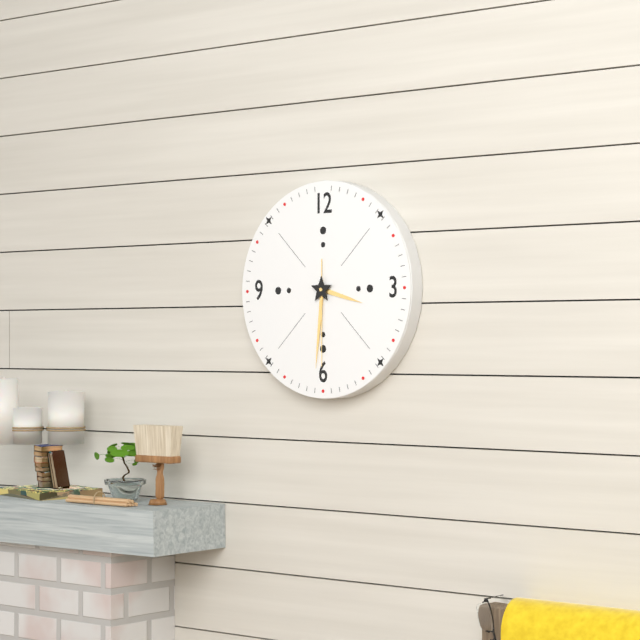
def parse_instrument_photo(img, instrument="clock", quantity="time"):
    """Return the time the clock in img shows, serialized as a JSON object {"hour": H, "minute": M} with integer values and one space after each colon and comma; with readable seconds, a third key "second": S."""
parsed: {"hour": 3, "minute": 31, "second": 30}
